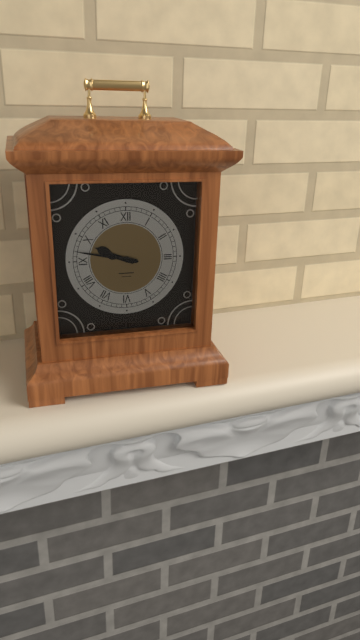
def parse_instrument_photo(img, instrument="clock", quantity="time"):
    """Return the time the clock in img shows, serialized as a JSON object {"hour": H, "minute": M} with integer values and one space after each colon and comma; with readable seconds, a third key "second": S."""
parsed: {"hour": 9, "minute": 47}
